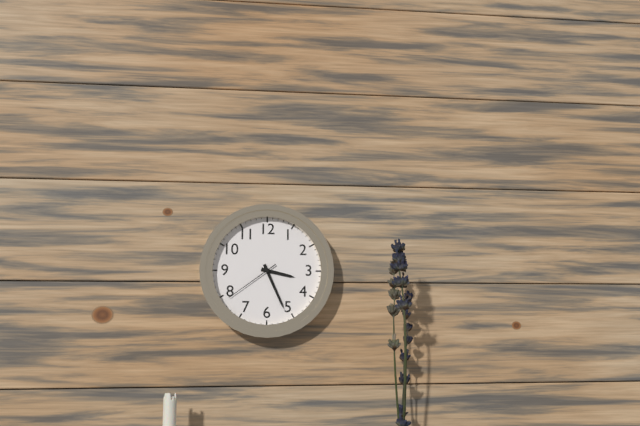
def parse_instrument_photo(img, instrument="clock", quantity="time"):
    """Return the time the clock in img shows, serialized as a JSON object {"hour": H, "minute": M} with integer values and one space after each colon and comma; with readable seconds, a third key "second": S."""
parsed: {"hour": 3, "minute": 26, "second": 39}
